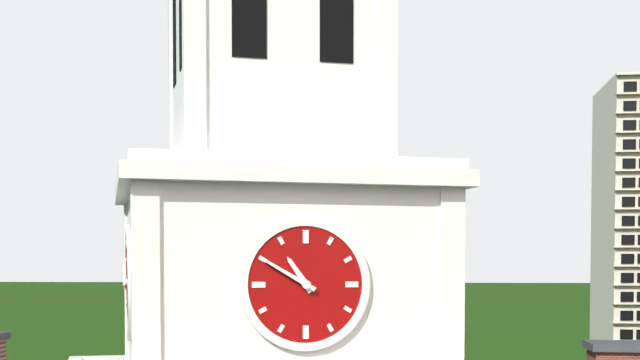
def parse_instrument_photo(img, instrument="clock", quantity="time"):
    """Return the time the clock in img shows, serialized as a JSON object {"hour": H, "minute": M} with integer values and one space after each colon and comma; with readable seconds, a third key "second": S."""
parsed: {"hour": 10, "minute": 50}
